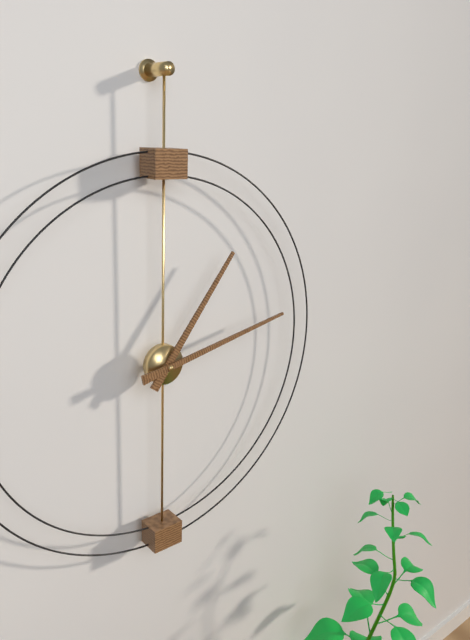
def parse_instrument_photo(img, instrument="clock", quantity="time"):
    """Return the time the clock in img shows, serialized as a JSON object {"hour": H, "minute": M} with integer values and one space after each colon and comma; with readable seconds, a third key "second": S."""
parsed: {"hour": 1, "minute": 13}
